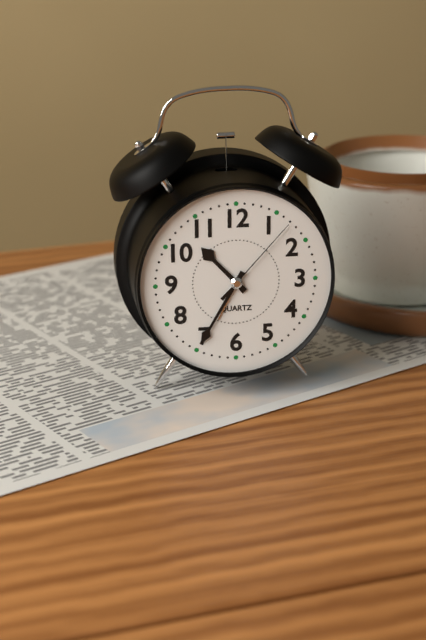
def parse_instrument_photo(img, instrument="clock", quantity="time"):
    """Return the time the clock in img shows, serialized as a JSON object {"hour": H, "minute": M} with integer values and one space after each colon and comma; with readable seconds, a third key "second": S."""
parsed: {"hour": 10, "minute": 35, "second": 7}
